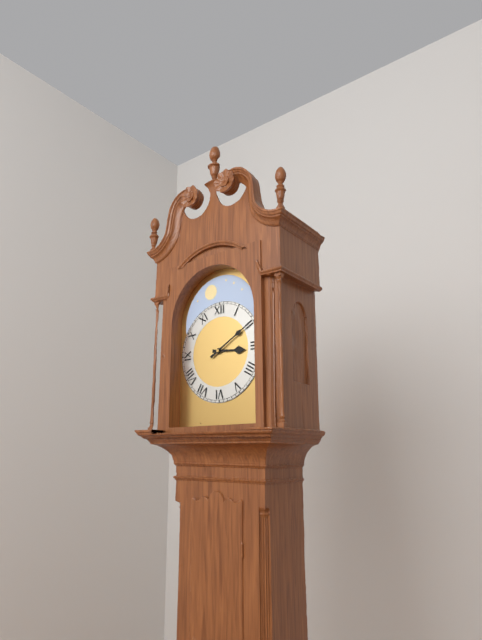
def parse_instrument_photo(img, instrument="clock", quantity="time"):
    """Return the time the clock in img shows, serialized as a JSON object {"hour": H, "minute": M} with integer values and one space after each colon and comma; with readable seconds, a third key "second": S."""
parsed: {"hour": 3, "minute": 10}
